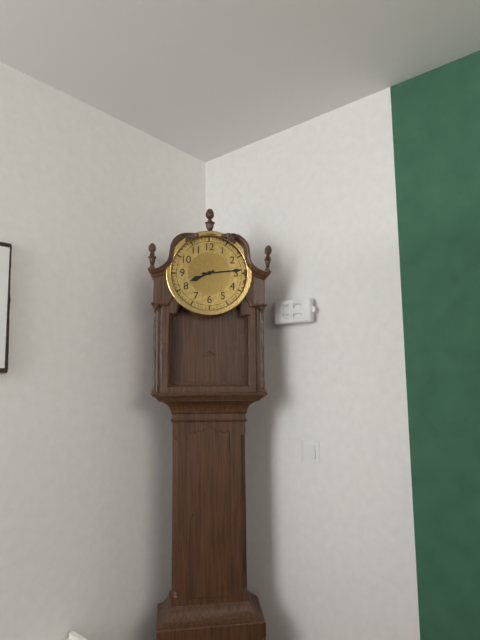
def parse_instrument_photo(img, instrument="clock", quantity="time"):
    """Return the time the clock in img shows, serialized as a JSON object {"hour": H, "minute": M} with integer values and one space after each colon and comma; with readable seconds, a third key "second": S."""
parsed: {"hour": 8, "minute": 14}
